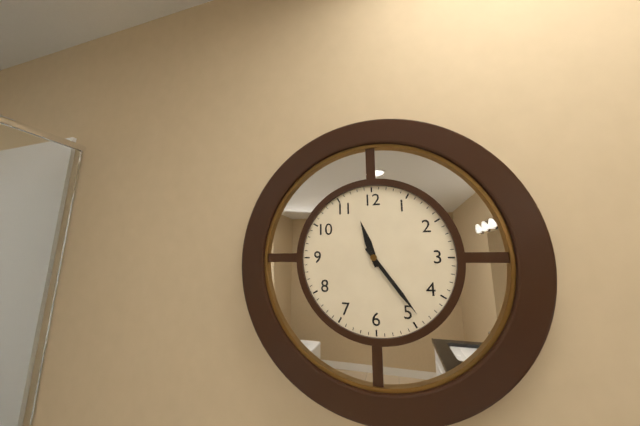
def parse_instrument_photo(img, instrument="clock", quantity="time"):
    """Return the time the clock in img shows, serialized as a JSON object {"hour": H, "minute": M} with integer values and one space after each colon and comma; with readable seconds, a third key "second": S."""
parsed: {"hour": 11, "minute": 24}
